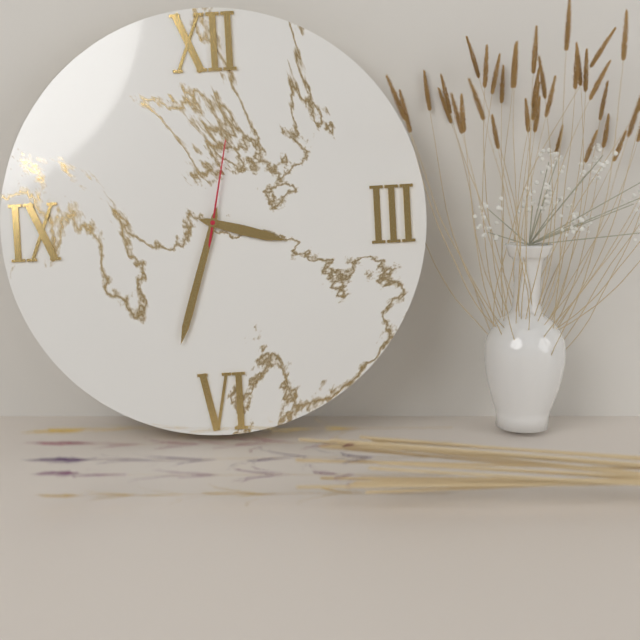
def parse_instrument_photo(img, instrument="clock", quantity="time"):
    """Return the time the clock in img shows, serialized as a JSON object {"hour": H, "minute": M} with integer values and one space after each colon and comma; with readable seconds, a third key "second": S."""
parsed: {"hour": 3, "minute": 33, "second": 2}
